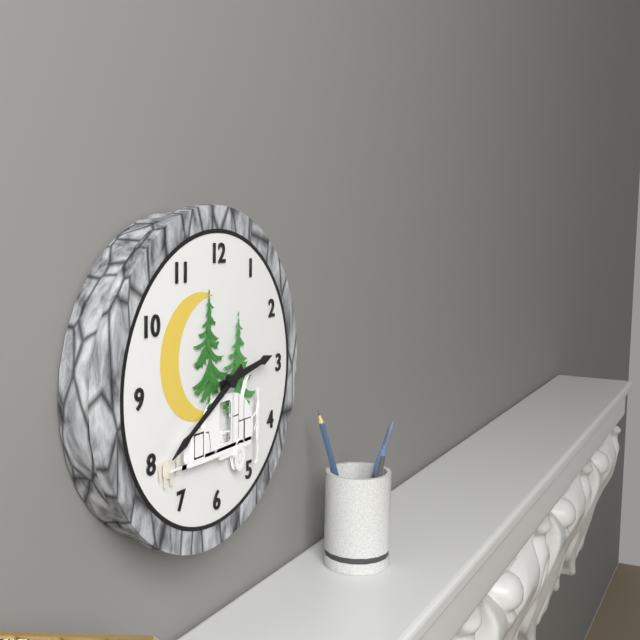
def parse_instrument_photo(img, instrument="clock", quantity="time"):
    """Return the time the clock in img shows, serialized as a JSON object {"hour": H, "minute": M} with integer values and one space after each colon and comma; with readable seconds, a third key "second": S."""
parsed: {"hour": 2, "minute": 40}
